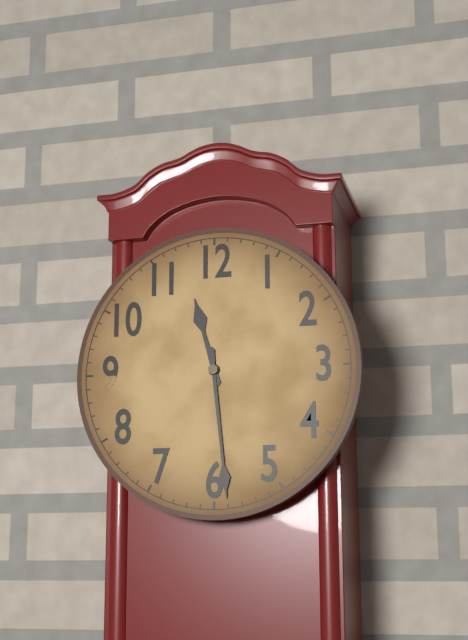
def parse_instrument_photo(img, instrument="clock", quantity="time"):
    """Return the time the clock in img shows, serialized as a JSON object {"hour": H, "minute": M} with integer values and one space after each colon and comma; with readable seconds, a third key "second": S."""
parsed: {"hour": 11, "minute": 29}
